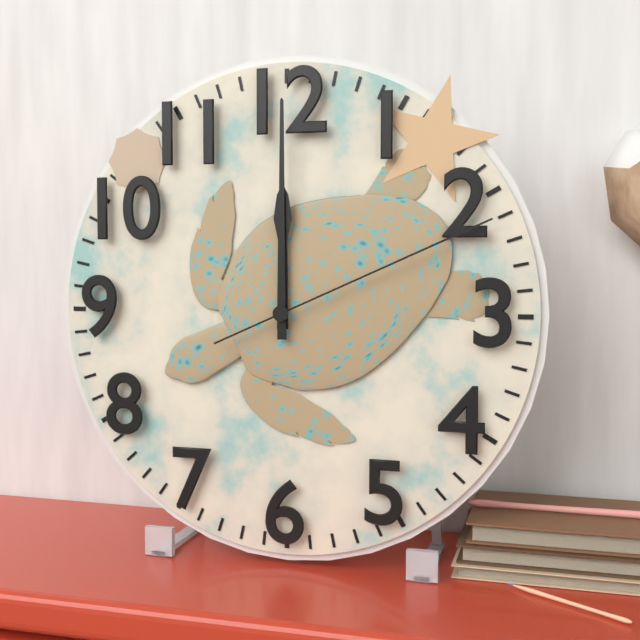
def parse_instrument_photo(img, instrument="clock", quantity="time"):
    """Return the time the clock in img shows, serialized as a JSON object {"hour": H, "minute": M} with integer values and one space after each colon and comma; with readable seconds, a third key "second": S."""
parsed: {"hour": 12, "minute": 0, "second": 11}
